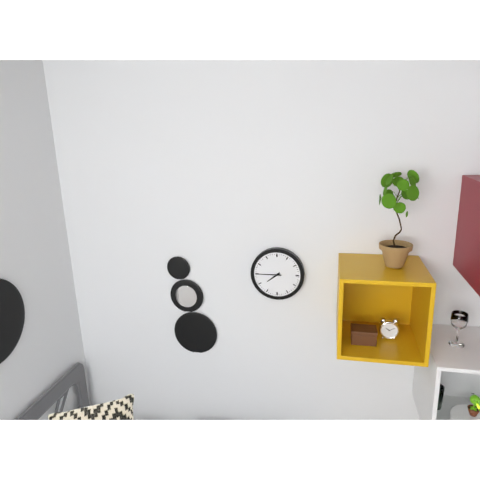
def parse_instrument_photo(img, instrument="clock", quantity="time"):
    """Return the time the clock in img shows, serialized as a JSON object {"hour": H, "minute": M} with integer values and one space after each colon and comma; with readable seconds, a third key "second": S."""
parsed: {"hour": 7, "minute": 45}
